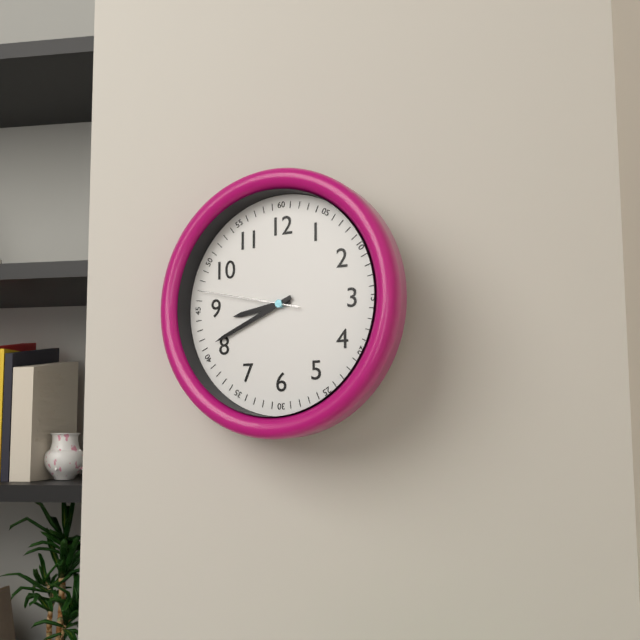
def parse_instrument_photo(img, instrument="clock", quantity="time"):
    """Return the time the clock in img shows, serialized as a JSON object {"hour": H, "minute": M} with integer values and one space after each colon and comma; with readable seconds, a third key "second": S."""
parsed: {"hour": 8, "minute": 41, "second": 47}
